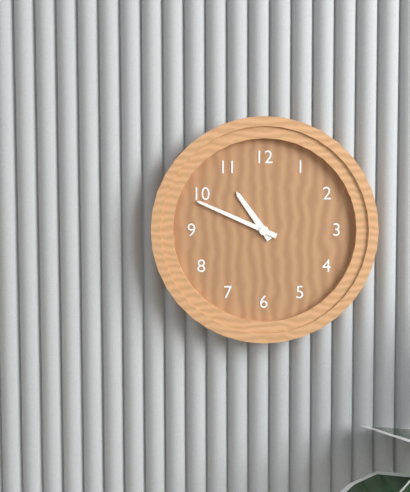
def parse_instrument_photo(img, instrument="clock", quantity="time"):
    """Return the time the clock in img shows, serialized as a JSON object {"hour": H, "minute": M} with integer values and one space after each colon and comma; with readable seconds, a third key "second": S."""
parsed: {"hour": 10, "minute": 49}
